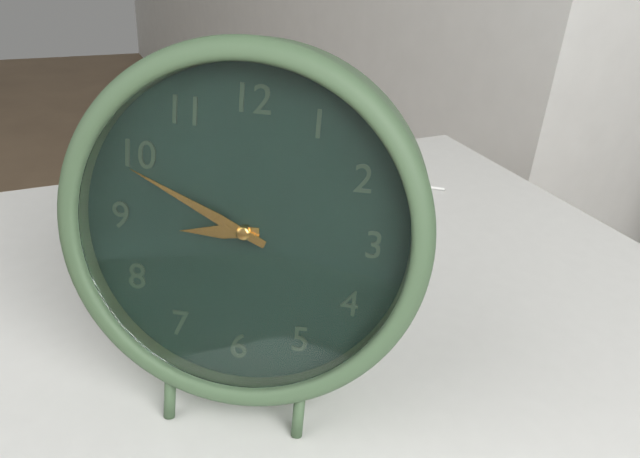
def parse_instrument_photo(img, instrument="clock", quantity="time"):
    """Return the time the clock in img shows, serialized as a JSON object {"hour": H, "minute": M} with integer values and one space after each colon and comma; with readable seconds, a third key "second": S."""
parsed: {"hour": 8, "minute": 49}
